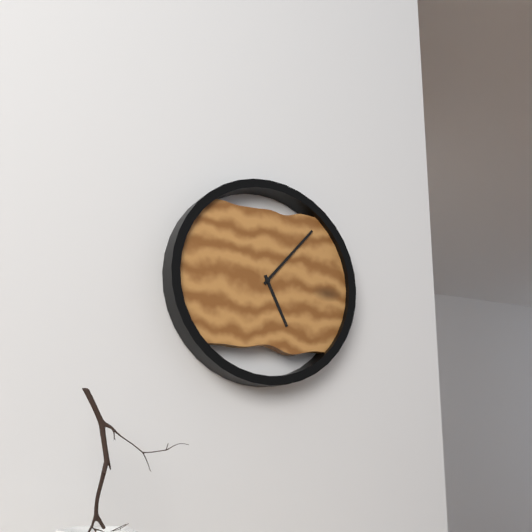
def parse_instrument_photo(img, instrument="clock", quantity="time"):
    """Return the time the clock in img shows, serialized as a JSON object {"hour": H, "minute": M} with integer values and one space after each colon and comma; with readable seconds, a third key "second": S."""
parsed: {"hour": 5, "minute": 7}
